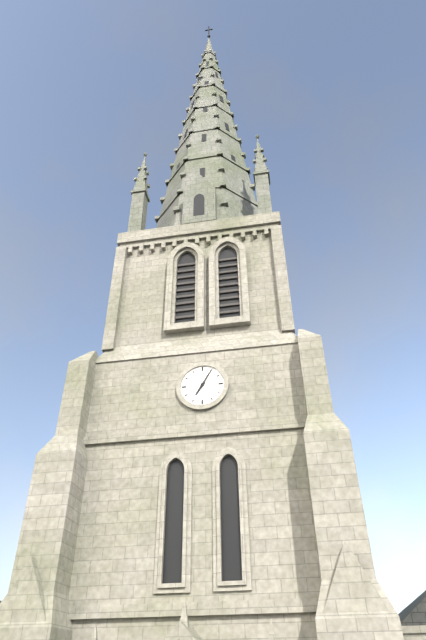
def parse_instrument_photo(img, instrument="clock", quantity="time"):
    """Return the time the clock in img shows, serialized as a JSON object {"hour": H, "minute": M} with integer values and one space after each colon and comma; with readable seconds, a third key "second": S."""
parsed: {"hour": 7, "minute": 5}
